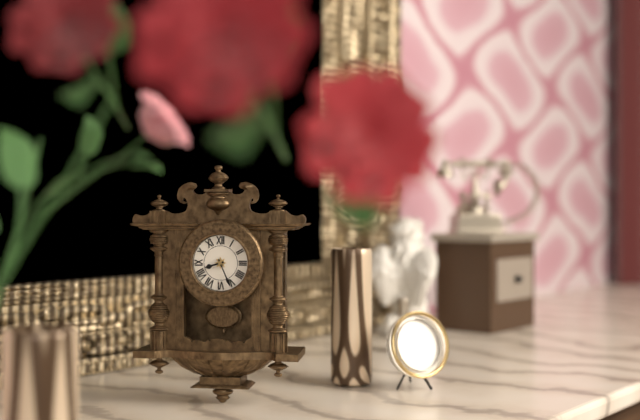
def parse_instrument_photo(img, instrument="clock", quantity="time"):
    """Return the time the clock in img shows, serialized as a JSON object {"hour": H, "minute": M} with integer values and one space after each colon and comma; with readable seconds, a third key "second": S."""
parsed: {"hour": 8, "minute": 26}
